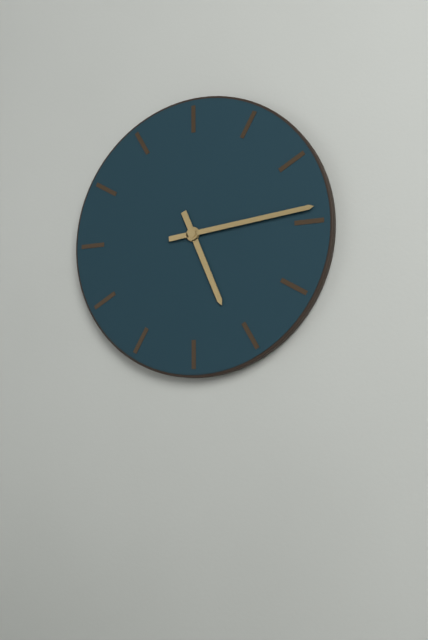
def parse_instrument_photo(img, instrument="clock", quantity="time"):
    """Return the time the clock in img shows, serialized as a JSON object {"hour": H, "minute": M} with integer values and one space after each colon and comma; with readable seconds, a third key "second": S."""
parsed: {"hour": 5, "minute": 14}
